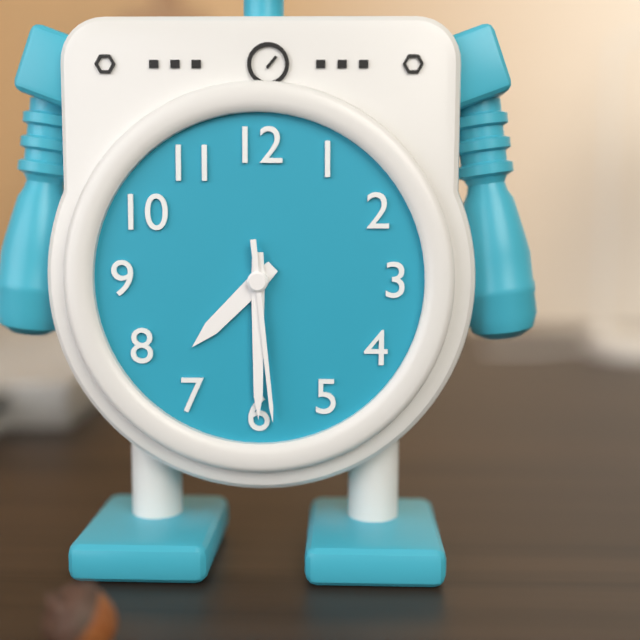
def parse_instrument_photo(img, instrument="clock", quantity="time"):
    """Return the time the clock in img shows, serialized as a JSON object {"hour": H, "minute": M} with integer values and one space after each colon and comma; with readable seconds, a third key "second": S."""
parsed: {"hour": 7, "minute": 30, "second": 29}
